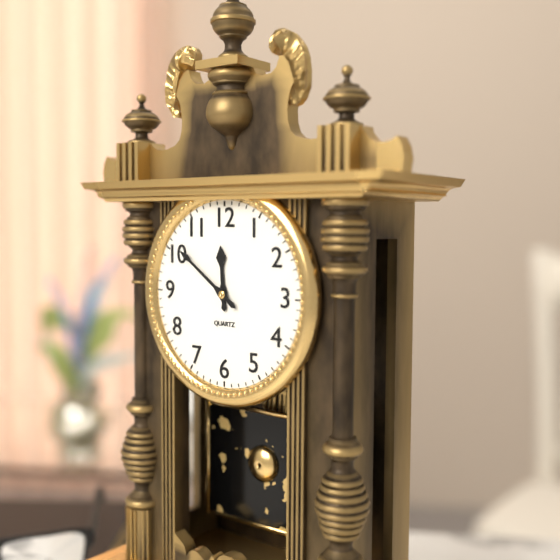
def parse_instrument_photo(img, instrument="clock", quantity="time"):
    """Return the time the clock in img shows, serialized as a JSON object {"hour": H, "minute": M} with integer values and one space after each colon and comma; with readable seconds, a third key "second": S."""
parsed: {"hour": 11, "minute": 51}
